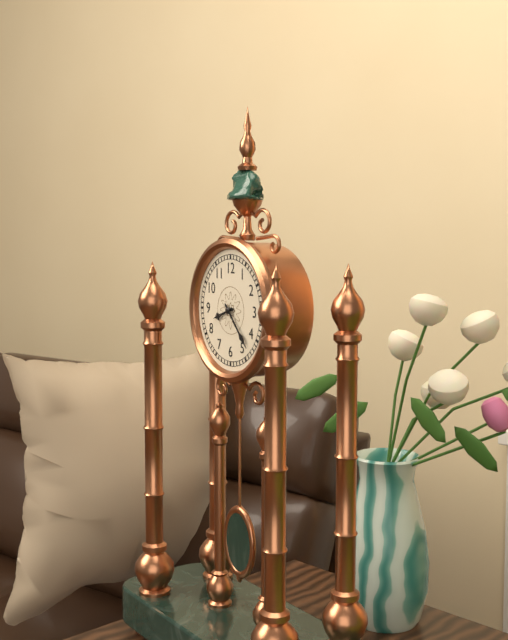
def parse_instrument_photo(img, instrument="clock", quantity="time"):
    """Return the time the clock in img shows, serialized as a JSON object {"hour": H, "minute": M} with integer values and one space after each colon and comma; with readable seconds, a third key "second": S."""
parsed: {"hour": 8, "minute": 23}
